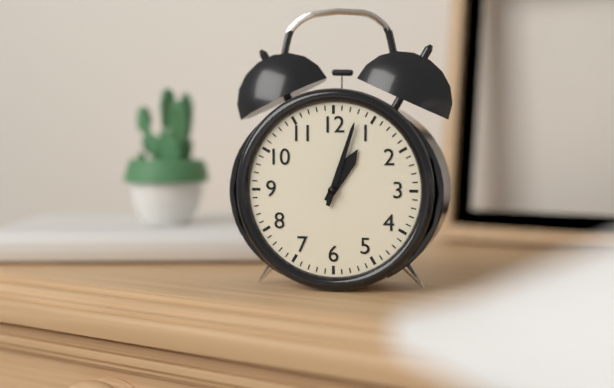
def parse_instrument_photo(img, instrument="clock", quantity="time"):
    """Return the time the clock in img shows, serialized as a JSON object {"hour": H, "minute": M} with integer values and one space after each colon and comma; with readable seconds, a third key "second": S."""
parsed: {"hour": 1, "minute": 3}
